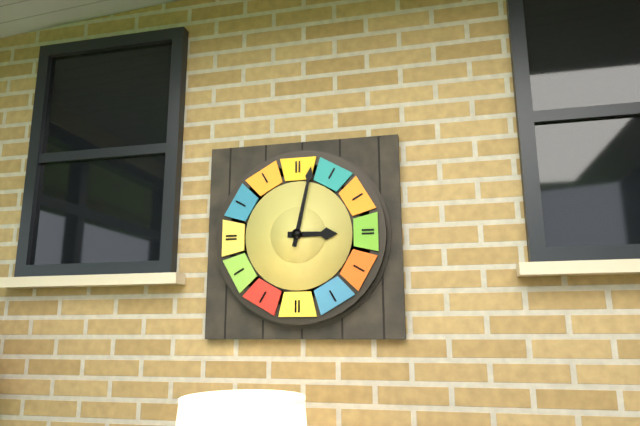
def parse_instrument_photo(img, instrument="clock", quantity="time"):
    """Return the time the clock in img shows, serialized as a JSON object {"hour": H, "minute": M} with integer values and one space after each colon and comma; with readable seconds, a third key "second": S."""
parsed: {"hour": 3, "minute": 2}
